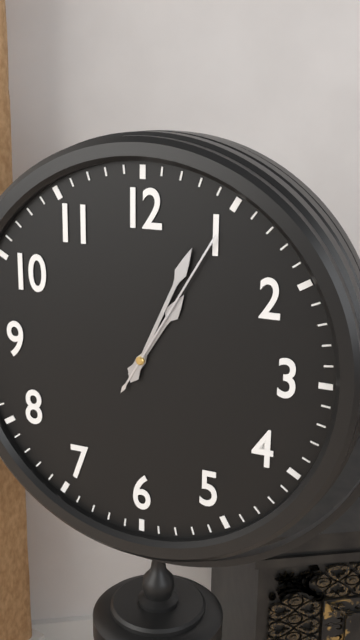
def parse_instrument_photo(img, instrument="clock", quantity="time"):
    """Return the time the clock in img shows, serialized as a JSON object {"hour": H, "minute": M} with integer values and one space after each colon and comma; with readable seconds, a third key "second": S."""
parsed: {"hour": 1, "minute": 4, "second": 5}
